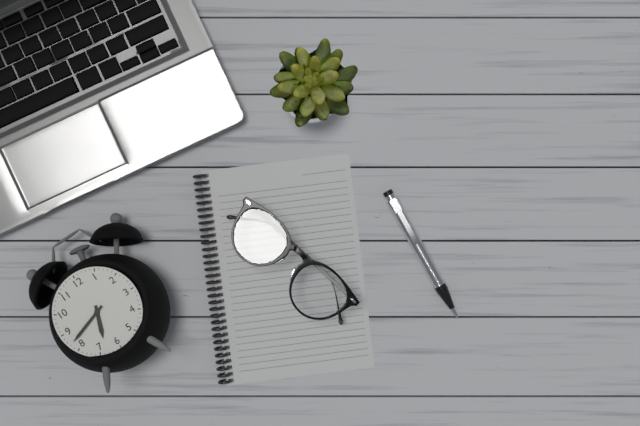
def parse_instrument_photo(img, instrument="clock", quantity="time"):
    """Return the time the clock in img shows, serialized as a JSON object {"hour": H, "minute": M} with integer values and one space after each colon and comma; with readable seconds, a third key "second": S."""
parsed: {"hour": 6, "minute": 42}
